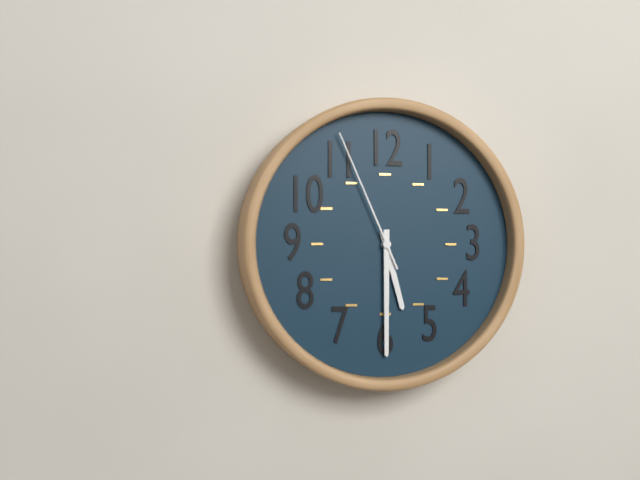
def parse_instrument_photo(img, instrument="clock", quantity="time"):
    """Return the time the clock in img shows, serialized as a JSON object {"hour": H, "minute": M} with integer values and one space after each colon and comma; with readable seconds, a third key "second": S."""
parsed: {"hour": 5, "minute": 30, "second": 56}
